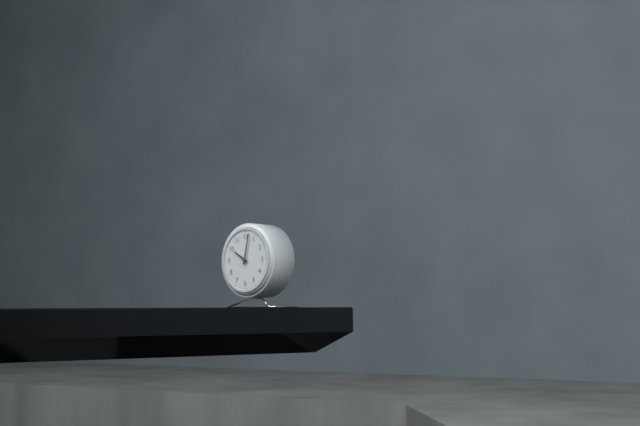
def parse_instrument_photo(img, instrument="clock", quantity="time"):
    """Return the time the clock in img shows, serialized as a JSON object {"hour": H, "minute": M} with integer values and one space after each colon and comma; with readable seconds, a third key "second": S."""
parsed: {"hour": 10, "minute": 2}
